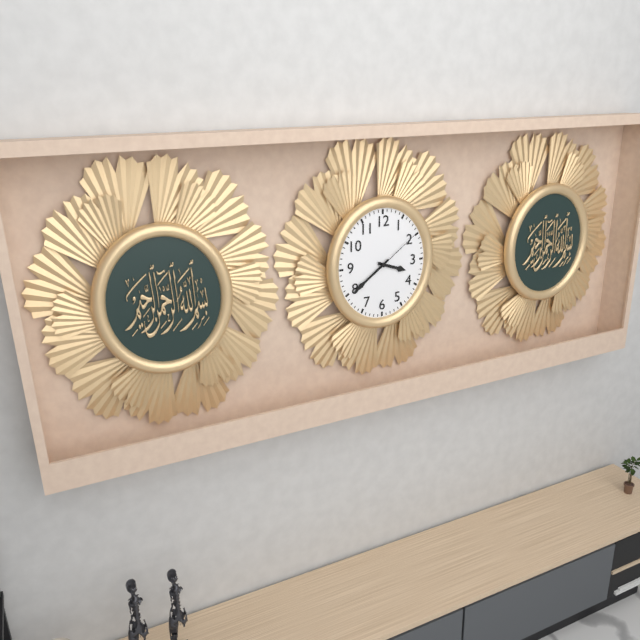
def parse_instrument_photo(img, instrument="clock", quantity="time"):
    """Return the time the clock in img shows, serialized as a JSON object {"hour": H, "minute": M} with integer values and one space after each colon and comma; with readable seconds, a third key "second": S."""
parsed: {"hour": 3, "minute": 39, "second": 9}
